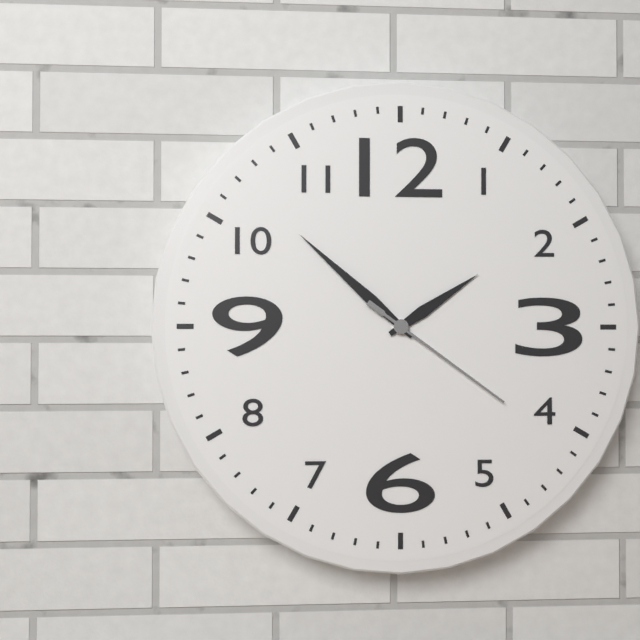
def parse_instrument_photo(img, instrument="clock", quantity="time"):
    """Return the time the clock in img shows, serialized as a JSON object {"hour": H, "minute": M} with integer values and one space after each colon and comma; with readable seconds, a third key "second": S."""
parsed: {"hour": 1, "minute": 52, "second": 21}
